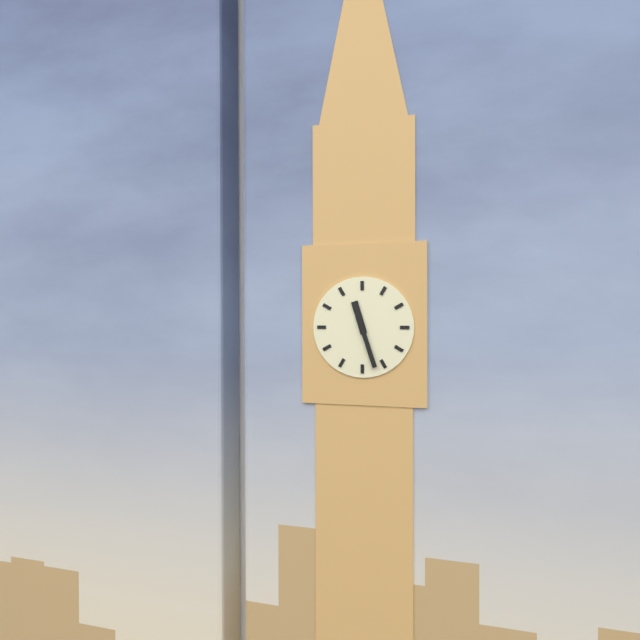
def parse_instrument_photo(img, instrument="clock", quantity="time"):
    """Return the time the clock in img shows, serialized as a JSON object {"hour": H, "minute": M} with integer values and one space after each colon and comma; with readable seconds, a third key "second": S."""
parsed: {"hour": 11, "minute": 27}
